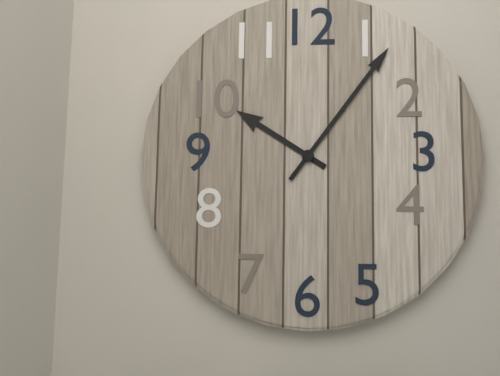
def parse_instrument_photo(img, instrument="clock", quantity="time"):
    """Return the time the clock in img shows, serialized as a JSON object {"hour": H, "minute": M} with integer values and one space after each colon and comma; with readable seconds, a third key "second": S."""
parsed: {"hour": 10, "minute": 6}
